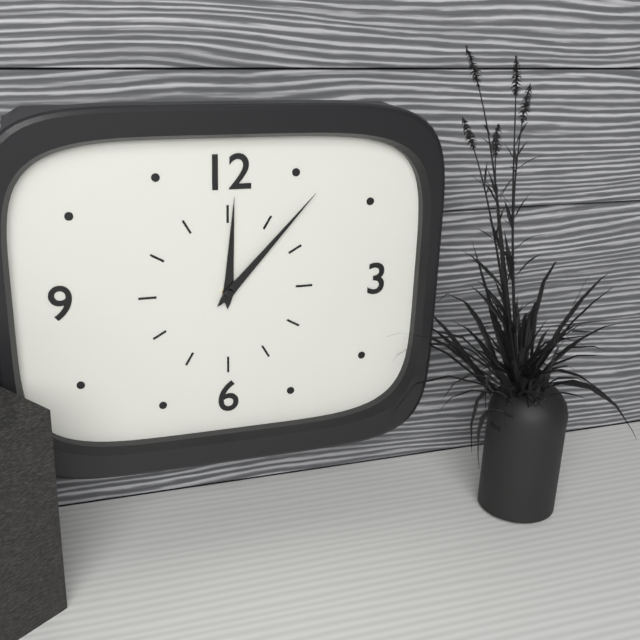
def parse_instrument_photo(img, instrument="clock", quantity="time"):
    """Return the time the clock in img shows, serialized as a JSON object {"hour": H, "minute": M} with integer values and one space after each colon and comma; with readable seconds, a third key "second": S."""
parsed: {"hour": 12, "minute": 7}
